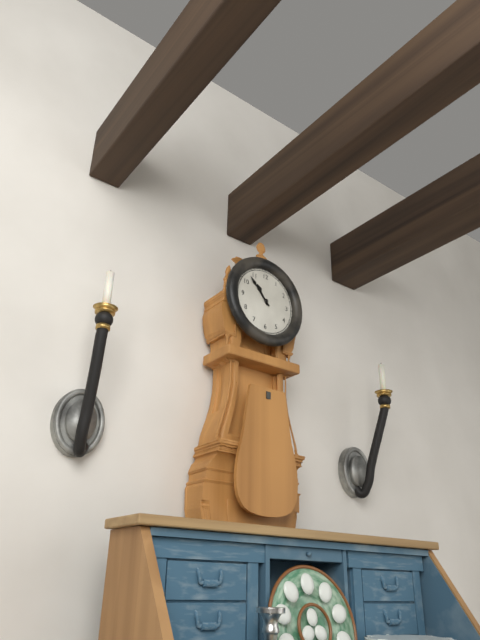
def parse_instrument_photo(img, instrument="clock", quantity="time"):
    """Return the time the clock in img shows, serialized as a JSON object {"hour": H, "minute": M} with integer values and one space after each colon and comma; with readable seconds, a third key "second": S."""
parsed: {"hour": 10, "minute": 53}
